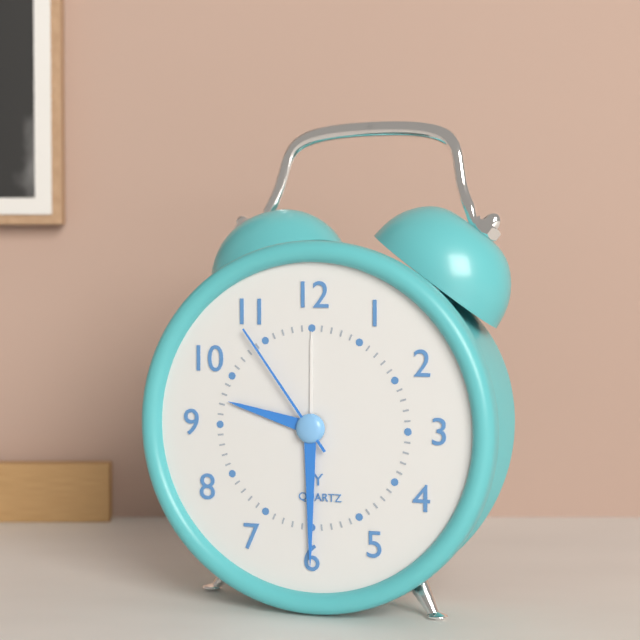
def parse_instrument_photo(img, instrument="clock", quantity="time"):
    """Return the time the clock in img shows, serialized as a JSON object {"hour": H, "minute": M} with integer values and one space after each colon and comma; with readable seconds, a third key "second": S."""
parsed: {"hour": 9, "minute": 30, "second": 54}
